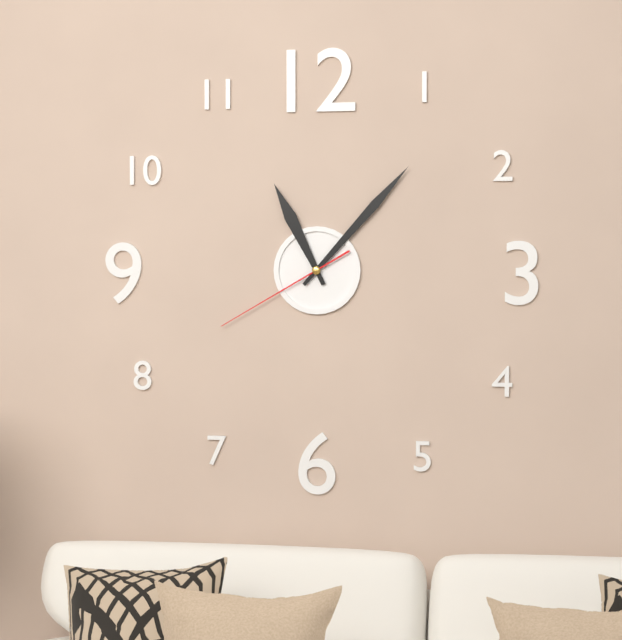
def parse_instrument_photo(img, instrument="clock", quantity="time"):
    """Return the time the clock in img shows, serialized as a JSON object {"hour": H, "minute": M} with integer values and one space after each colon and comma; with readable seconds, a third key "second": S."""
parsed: {"hour": 11, "minute": 7, "second": 40}
